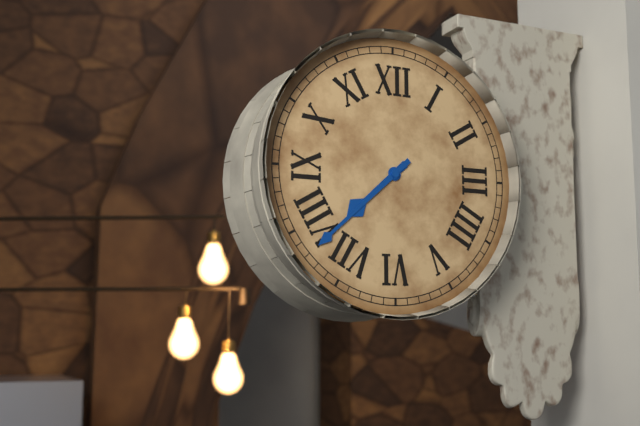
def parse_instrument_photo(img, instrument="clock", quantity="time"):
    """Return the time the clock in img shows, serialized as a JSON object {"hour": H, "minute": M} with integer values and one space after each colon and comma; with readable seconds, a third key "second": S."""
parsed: {"hour": 7, "minute": 38}
